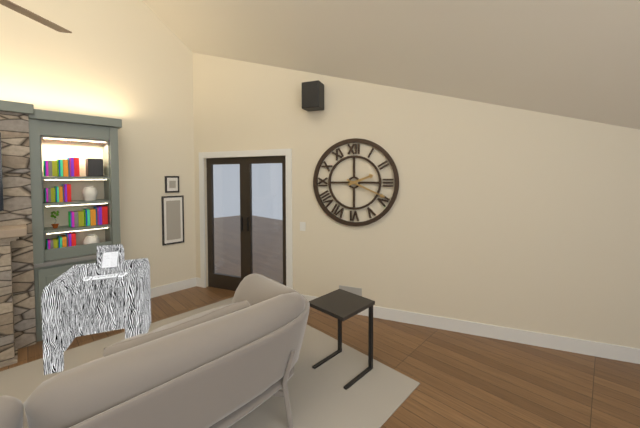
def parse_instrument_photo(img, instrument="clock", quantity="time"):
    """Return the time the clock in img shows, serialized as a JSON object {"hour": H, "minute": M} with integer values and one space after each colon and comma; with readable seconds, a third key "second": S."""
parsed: {"hour": 2, "minute": 19}
